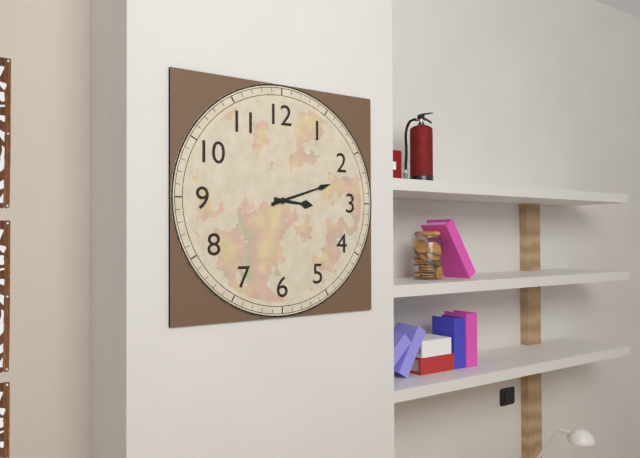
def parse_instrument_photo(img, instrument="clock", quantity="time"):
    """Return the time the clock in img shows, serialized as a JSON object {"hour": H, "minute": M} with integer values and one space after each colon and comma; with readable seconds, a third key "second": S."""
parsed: {"hour": 3, "minute": 12}
